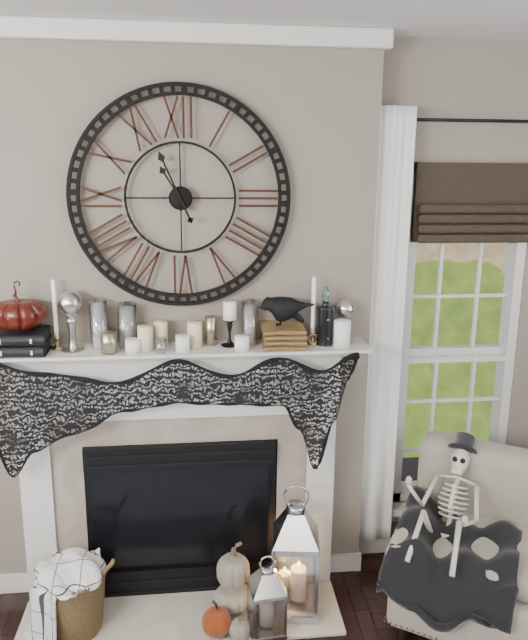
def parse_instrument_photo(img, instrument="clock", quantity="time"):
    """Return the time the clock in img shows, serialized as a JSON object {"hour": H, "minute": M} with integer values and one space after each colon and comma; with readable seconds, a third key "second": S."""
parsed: {"hour": 10, "minute": 56}
